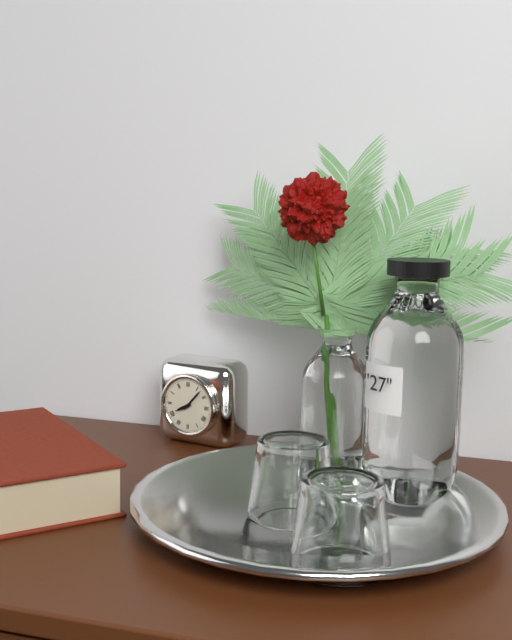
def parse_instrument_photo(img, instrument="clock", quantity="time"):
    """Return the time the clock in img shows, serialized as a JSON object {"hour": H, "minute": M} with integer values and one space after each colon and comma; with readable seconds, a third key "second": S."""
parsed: {"hour": 8, "minute": 7}
